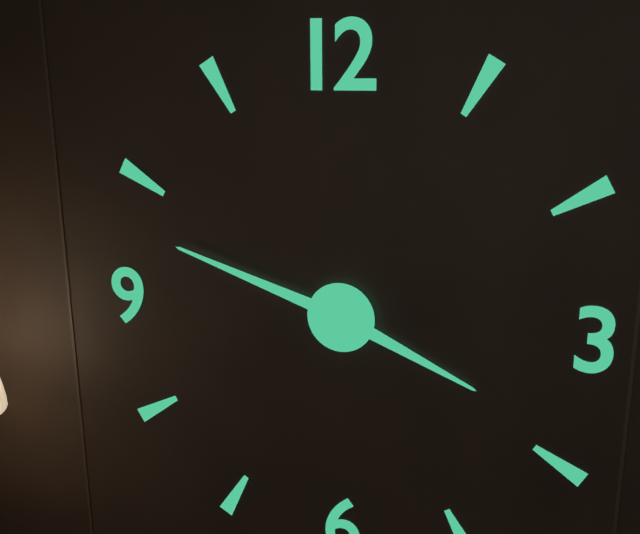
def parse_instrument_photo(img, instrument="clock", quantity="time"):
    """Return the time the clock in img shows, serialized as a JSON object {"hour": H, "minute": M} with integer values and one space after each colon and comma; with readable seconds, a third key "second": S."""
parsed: {"hour": 3, "minute": 48}
